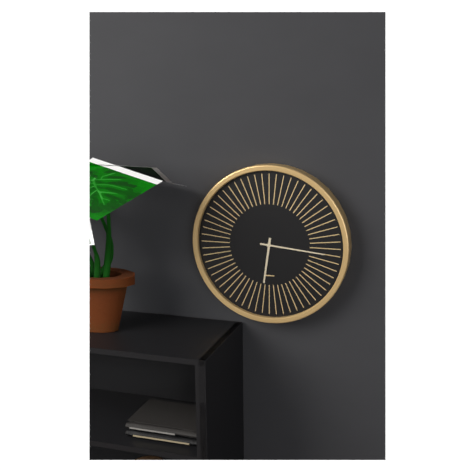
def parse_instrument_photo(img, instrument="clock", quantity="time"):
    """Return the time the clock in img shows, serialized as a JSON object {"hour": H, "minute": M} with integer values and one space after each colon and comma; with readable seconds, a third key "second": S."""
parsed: {"hour": 6, "minute": 16}
